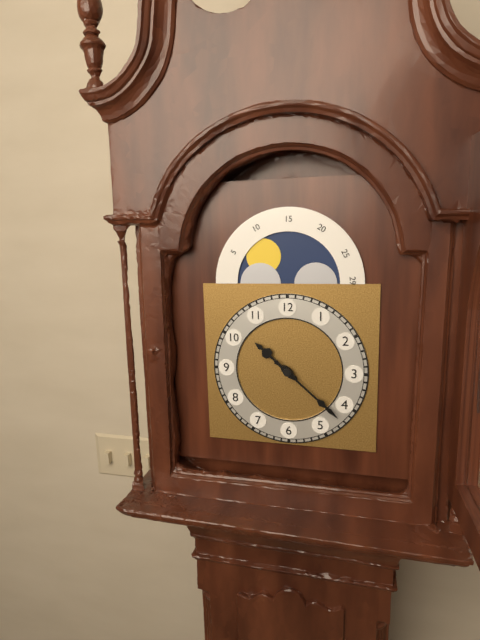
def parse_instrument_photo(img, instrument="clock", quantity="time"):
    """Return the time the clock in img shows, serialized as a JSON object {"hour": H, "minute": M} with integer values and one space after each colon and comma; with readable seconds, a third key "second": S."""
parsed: {"hour": 10, "minute": 22}
